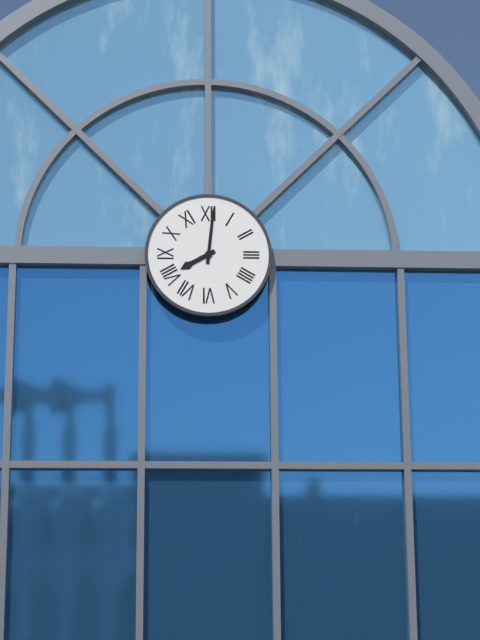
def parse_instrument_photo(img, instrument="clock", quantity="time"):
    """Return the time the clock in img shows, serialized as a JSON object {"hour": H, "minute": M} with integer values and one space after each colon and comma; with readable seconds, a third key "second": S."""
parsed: {"hour": 8, "minute": 1}
